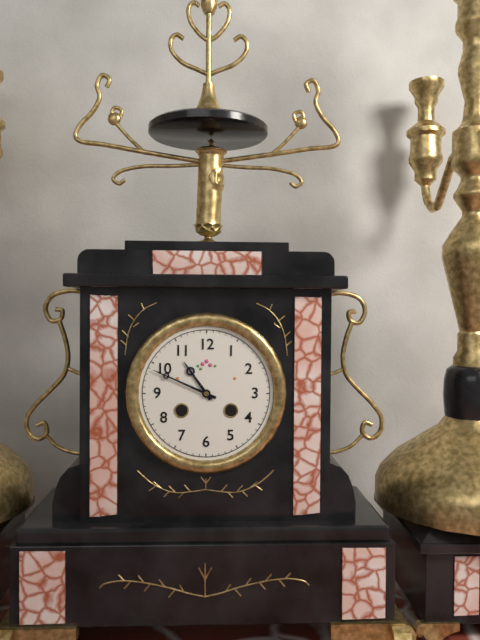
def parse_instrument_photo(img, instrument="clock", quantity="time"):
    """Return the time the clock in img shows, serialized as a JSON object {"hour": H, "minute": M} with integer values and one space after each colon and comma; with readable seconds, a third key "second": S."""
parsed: {"hour": 10, "minute": 49}
